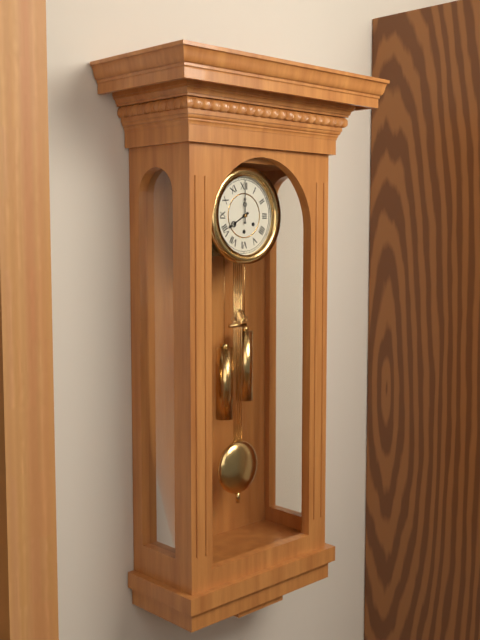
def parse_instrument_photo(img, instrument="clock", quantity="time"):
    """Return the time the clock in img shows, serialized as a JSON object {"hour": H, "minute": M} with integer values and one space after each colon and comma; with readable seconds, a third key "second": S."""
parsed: {"hour": 8, "minute": 0}
